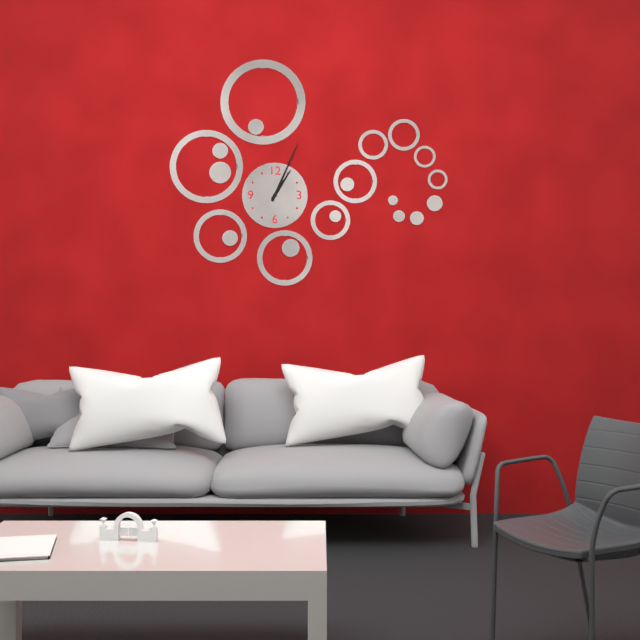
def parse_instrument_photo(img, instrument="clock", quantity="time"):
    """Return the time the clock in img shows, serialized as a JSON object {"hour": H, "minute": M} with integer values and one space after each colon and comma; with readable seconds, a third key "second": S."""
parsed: {"hour": 1, "minute": 4}
